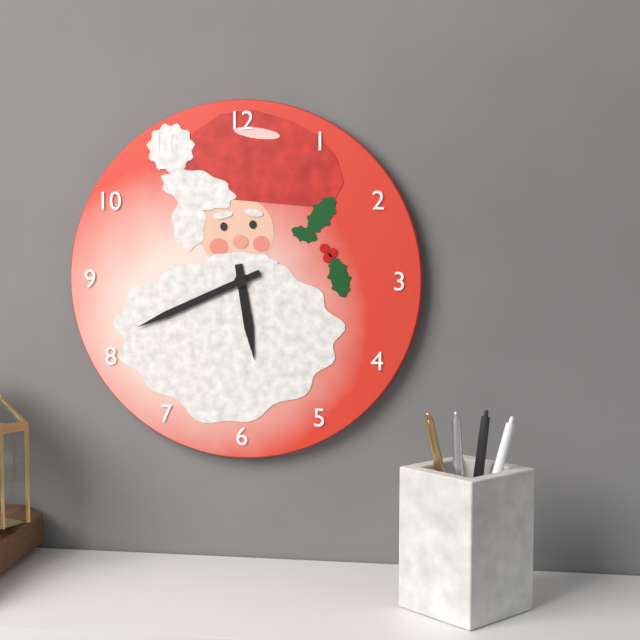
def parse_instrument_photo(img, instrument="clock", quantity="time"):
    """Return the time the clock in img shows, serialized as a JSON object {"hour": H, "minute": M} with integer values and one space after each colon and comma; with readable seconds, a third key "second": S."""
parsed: {"hour": 5, "minute": 41}
